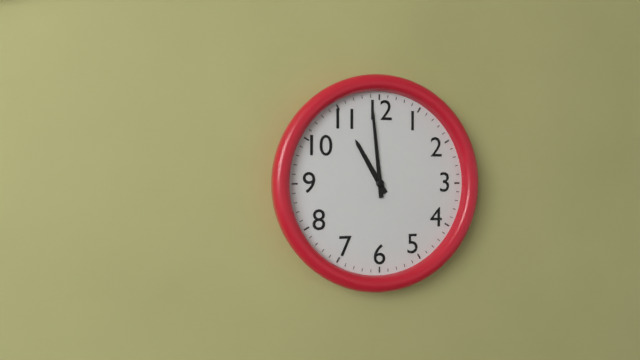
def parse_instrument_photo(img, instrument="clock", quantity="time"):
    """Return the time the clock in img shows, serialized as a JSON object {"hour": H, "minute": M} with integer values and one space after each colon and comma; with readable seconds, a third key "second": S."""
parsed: {"hour": 10, "minute": 59}
